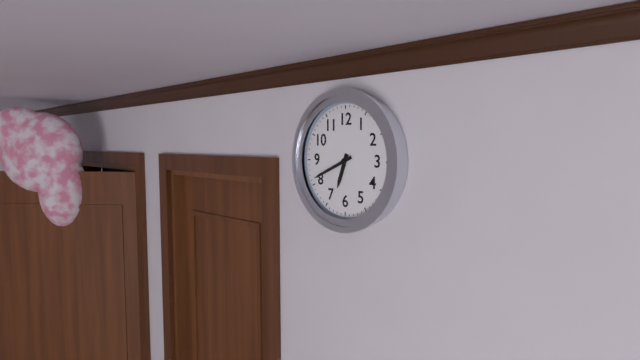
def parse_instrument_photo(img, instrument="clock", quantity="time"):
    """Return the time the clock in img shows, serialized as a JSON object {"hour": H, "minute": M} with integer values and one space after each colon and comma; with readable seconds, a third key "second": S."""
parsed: {"hour": 6, "minute": 41}
